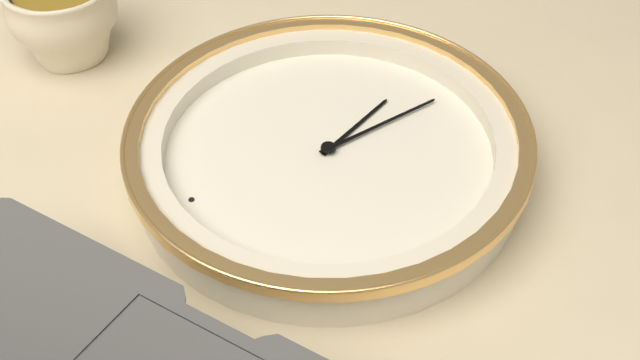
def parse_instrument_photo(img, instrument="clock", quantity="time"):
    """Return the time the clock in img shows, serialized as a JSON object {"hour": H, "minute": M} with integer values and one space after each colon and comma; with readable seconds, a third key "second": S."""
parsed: {"hour": 4, "minute": 25}
